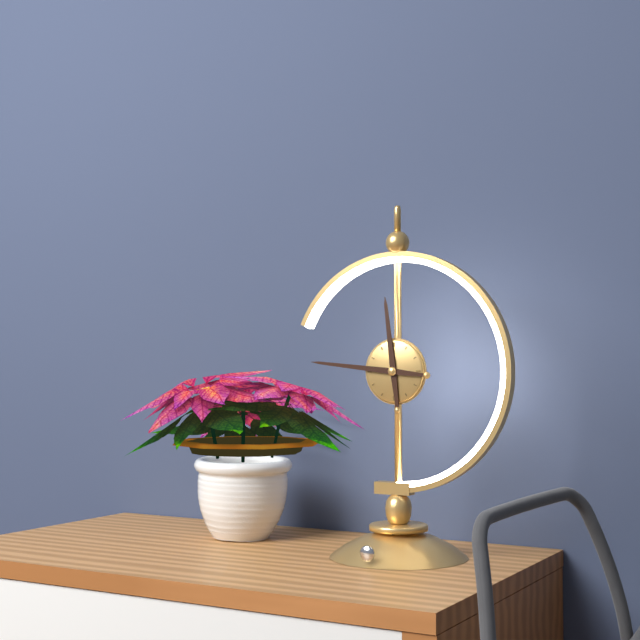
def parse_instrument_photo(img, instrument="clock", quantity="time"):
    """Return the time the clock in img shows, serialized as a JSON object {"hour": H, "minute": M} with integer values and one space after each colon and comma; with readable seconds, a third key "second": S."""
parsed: {"hour": 11, "minute": 46}
